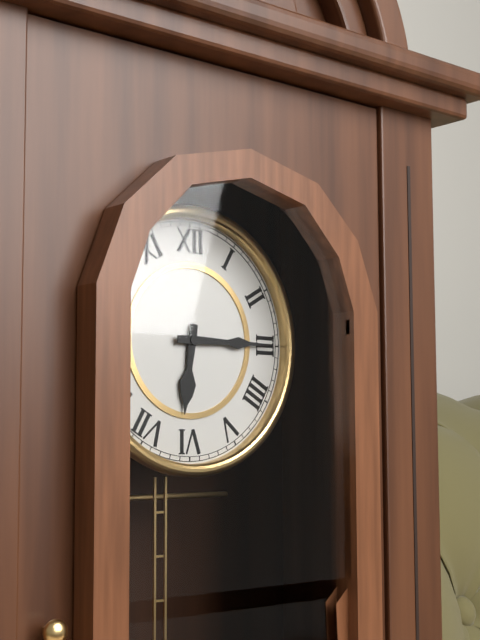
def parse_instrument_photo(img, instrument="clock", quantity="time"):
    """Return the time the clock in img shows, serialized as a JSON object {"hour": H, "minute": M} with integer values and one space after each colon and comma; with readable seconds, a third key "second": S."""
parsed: {"hour": 6, "minute": 15}
